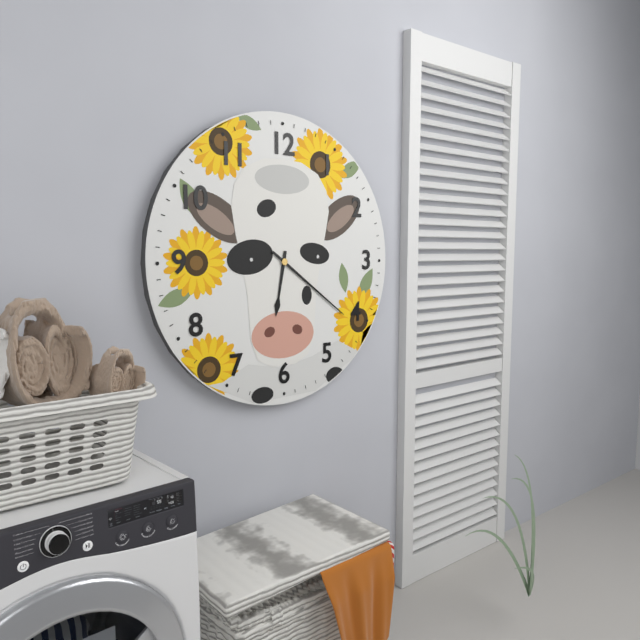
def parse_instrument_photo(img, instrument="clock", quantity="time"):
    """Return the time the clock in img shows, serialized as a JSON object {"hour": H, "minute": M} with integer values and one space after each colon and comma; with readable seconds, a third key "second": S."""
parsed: {"hour": 6, "minute": 21}
